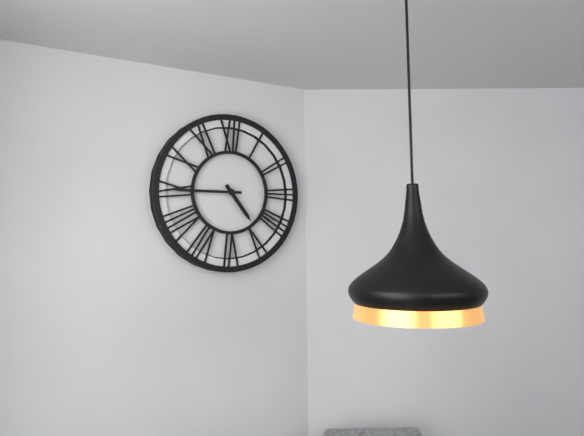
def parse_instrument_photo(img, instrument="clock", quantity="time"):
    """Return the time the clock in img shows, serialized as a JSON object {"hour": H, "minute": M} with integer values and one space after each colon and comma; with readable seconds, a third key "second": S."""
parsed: {"hour": 4, "minute": 45}
